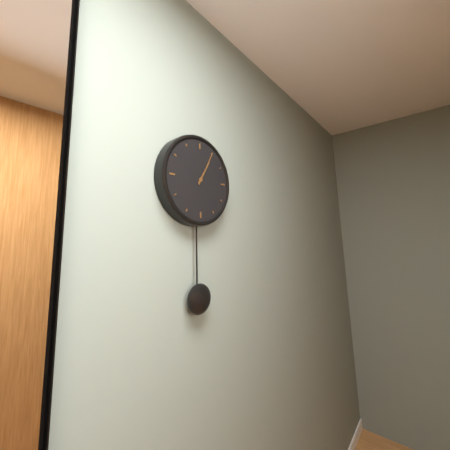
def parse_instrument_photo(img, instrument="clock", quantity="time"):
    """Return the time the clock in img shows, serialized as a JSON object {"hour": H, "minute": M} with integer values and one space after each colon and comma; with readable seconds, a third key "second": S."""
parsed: {"hour": 1, "minute": 5}
